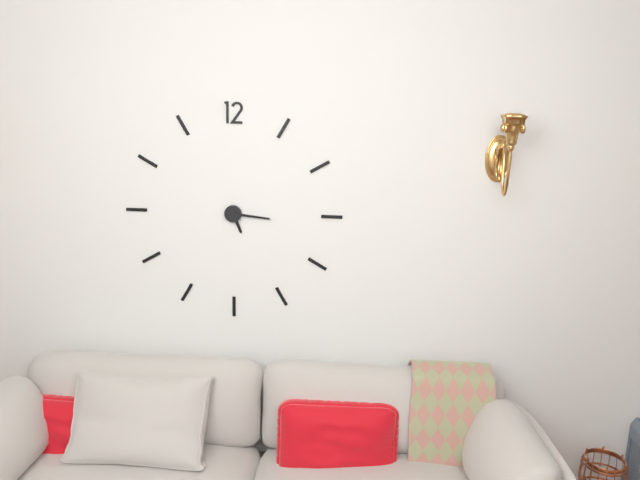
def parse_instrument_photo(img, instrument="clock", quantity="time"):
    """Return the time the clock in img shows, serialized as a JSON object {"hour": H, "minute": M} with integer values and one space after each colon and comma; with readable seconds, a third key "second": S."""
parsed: {"hour": 5, "minute": 16}
